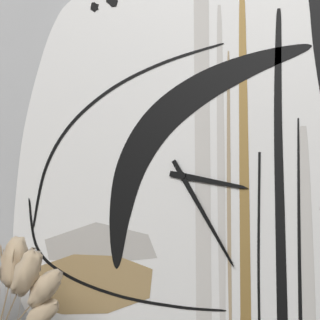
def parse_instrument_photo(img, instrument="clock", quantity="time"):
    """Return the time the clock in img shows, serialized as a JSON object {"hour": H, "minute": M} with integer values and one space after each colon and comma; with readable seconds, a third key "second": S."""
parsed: {"hour": 3, "minute": 25}
